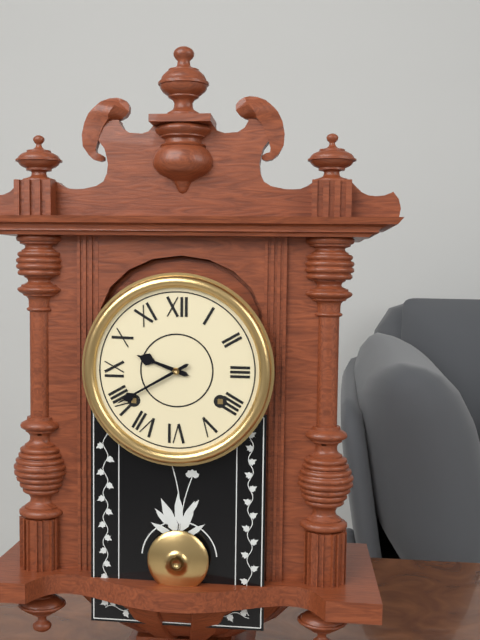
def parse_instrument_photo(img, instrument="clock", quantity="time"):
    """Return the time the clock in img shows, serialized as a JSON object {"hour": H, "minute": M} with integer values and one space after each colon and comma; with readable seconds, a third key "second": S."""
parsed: {"hour": 9, "minute": 40}
